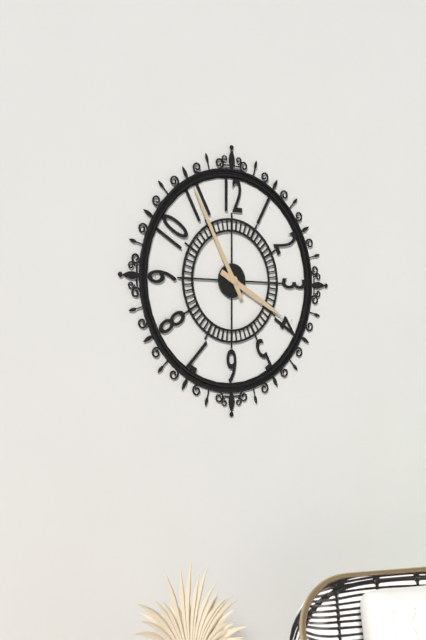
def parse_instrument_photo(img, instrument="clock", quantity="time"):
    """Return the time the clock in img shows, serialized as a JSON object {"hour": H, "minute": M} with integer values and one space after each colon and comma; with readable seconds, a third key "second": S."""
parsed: {"hour": 3, "minute": 55}
